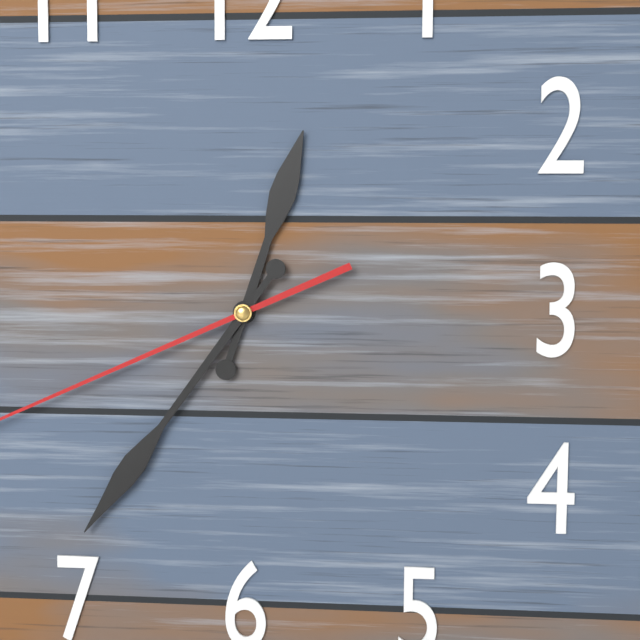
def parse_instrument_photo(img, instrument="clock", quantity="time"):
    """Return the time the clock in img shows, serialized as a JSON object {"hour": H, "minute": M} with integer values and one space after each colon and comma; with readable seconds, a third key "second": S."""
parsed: {"hour": 12, "minute": 36}
